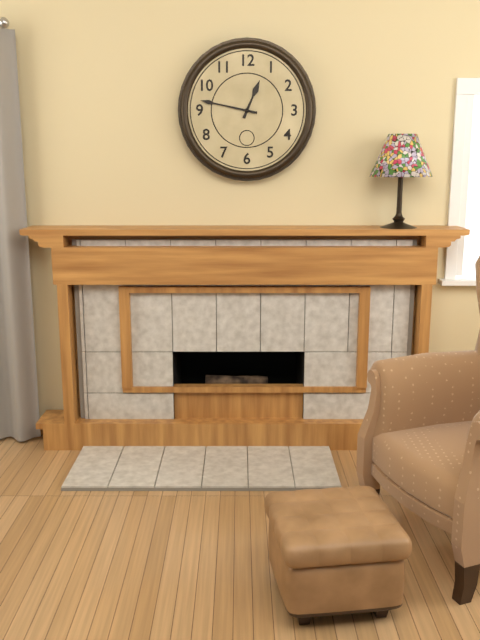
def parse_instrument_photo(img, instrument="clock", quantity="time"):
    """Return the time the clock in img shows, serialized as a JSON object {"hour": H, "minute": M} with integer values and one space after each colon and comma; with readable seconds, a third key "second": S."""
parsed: {"hour": 12, "minute": 47}
